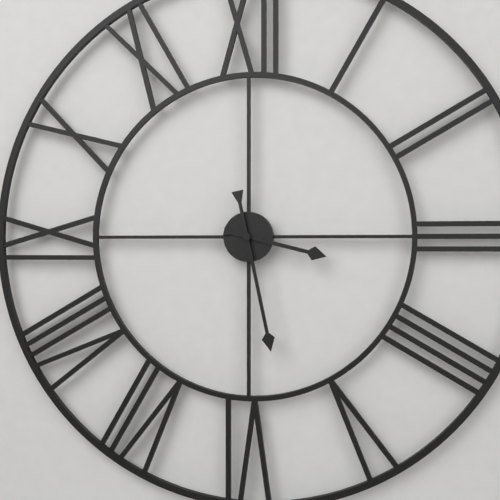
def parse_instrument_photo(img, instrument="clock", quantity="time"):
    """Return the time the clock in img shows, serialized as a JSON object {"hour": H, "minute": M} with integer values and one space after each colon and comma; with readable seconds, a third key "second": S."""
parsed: {"hour": 3, "minute": 28}
